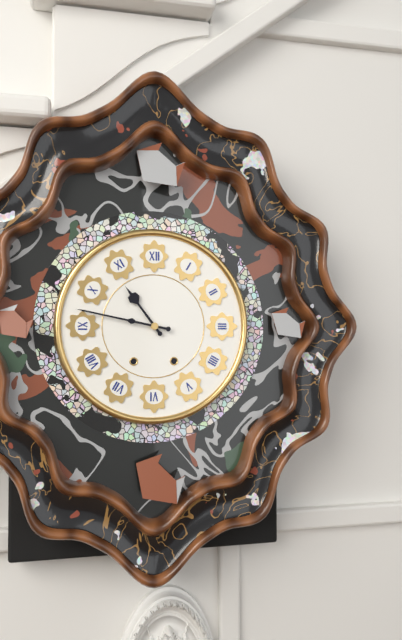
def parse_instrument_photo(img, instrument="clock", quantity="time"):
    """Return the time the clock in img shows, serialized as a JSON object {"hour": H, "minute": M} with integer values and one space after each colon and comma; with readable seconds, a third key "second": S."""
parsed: {"hour": 10, "minute": 47}
